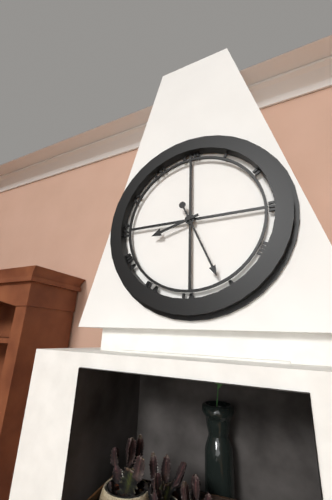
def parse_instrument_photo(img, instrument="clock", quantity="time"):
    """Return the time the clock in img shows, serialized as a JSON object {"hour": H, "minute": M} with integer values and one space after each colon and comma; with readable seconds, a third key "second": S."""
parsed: {"hour": 8, "minute": 26}
